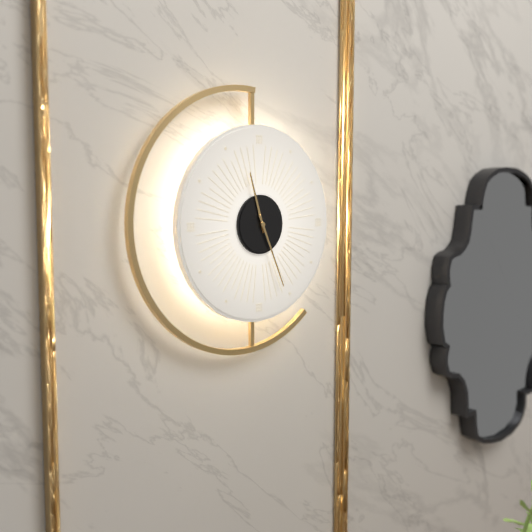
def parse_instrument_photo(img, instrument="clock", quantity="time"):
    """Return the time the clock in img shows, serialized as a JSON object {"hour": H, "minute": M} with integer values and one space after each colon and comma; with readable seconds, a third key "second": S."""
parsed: {"hour": 11, "minute": 26}
